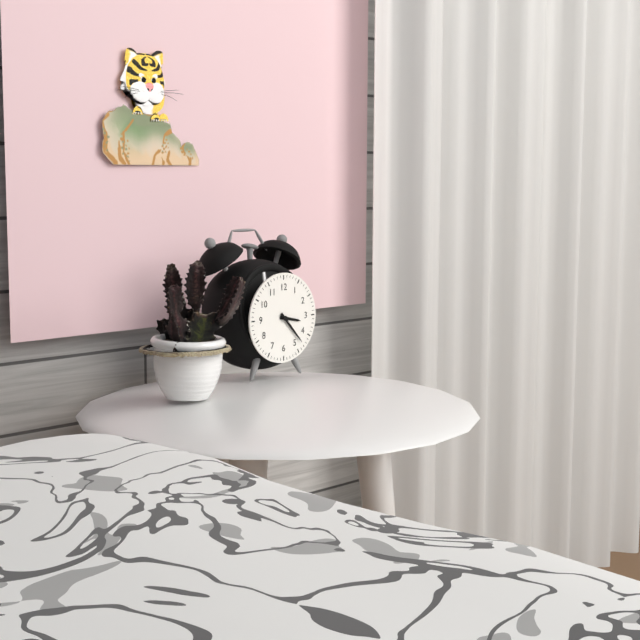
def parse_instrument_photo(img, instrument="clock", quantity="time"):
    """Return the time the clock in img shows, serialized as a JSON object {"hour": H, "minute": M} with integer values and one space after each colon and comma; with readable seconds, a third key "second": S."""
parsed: {"hour": 3, "minute": 23}
